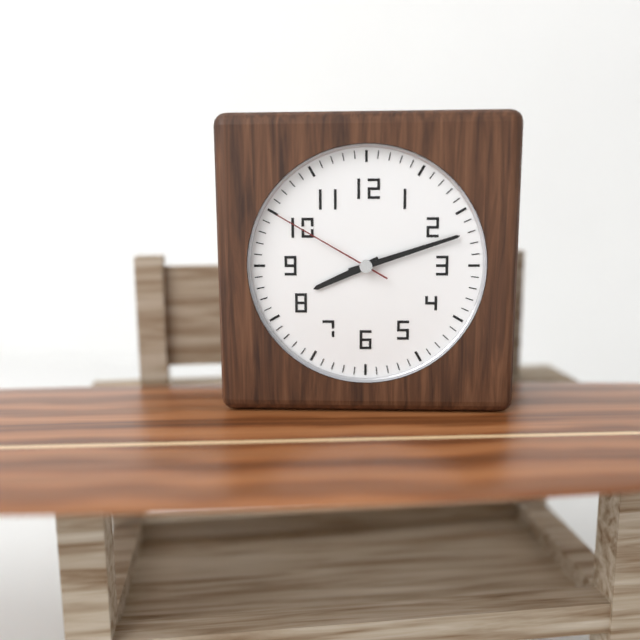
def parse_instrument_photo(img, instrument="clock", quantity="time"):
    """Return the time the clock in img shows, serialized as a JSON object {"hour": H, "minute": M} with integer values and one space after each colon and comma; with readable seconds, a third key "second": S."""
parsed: {"hour": 8, "minute": 12, "second": 50}
